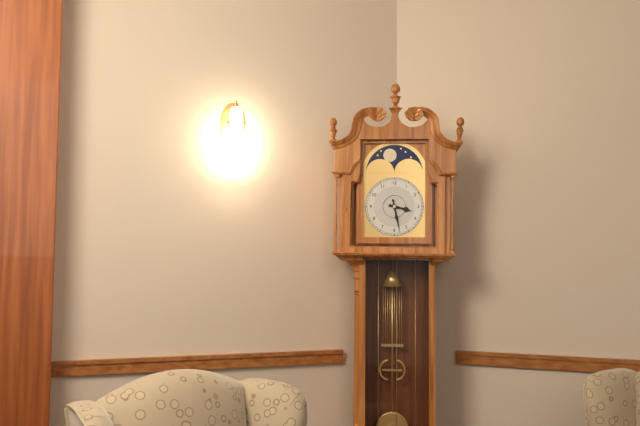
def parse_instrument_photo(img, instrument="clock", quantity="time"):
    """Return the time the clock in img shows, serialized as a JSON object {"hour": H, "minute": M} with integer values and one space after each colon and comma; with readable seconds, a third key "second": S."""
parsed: {"hour": 3, "minute": 28}
